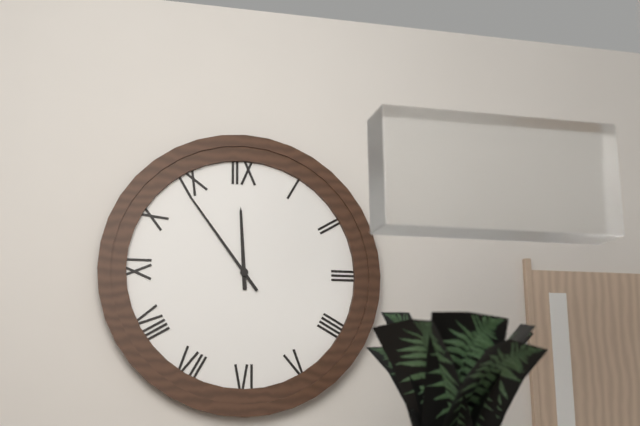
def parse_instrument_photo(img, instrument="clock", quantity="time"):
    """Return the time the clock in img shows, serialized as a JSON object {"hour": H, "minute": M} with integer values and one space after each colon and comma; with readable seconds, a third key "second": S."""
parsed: {"hour": 11, "minute": 54}
